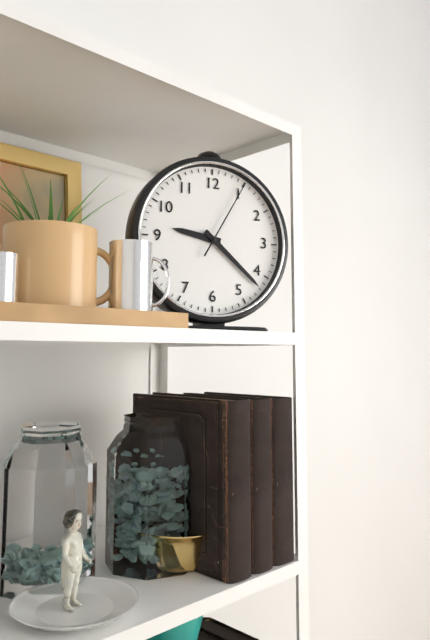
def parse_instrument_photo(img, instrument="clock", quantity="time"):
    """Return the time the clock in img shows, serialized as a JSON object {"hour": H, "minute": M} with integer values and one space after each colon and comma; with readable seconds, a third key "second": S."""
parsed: {"hour": 9, "minute": 22, "second": 5}
